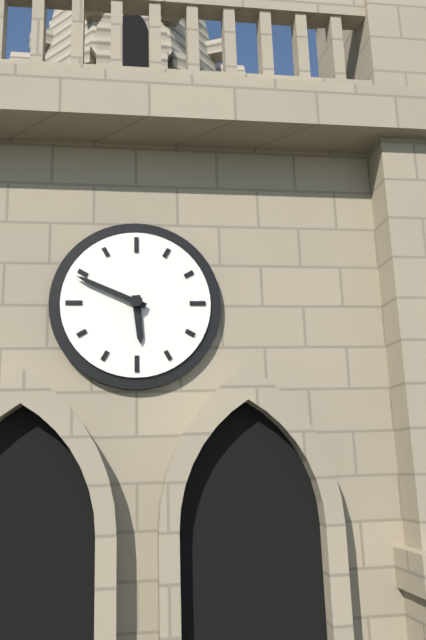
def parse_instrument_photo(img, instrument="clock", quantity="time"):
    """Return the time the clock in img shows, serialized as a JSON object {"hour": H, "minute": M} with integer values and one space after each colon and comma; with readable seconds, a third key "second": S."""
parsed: {"hour": 5, "minute": 49}
